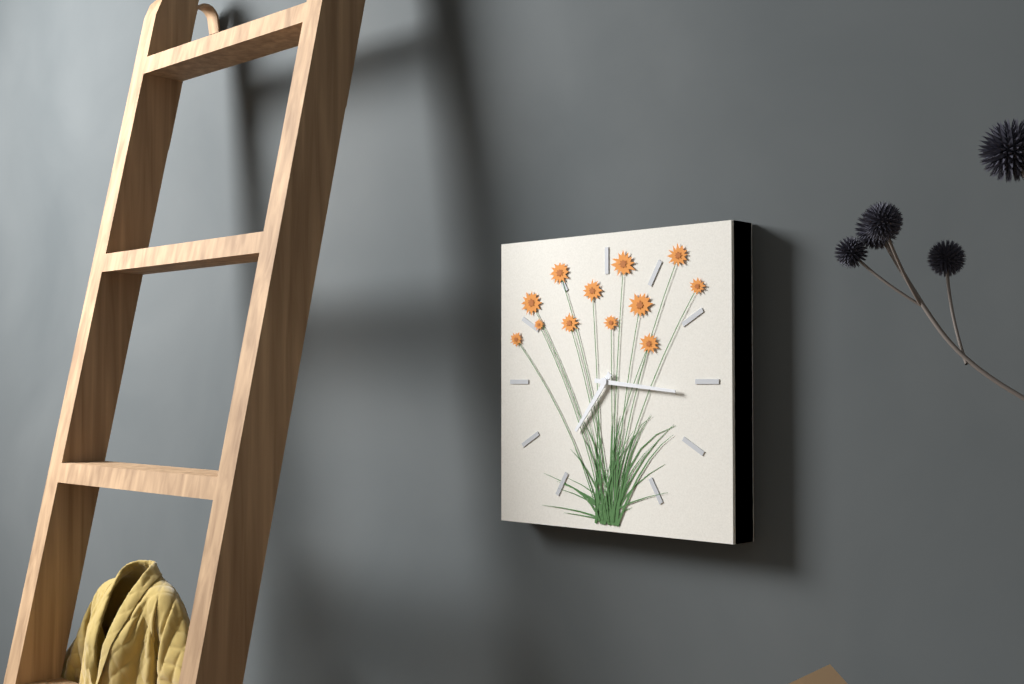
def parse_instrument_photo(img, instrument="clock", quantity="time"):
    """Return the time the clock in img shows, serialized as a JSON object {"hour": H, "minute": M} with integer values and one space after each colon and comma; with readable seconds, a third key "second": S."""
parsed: {"hour": 7, "minute": 16}
